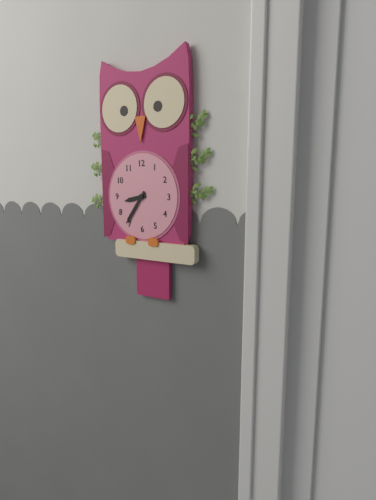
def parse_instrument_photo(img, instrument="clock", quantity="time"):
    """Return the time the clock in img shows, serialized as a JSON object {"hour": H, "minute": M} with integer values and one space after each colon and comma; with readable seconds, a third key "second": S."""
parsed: {"hour": 8, "minute": 36}
